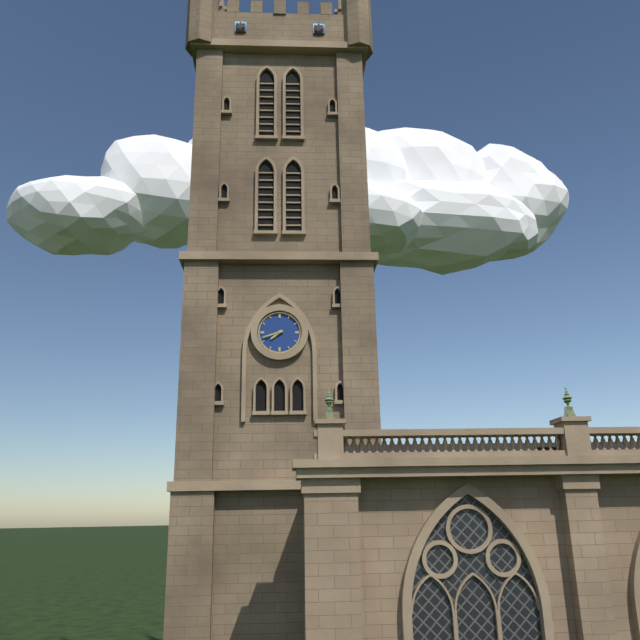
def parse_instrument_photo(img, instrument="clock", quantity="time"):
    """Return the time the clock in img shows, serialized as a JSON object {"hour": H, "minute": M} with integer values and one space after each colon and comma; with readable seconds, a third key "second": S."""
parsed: {"hour": 7, "minute": 42}
